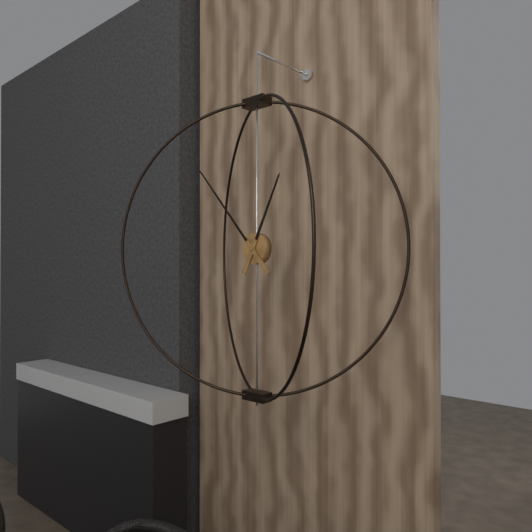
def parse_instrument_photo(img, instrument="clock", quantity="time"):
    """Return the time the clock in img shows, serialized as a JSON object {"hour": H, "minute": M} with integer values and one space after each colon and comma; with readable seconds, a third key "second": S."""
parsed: {"hour": 12, "minute": 53}
